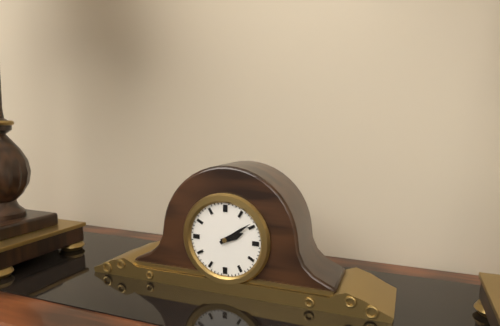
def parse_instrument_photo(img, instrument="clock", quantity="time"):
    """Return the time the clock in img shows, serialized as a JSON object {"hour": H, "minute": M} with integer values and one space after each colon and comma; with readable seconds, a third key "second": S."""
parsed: {"hour": 2, "minute": 9}
